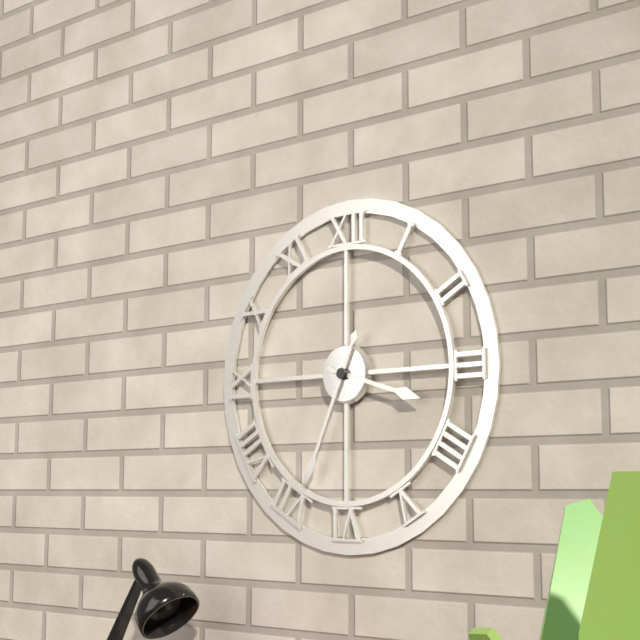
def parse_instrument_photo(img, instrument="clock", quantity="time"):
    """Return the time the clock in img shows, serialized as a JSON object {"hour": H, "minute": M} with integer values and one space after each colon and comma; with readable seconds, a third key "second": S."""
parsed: {"hour": 3, "minute": 34}
